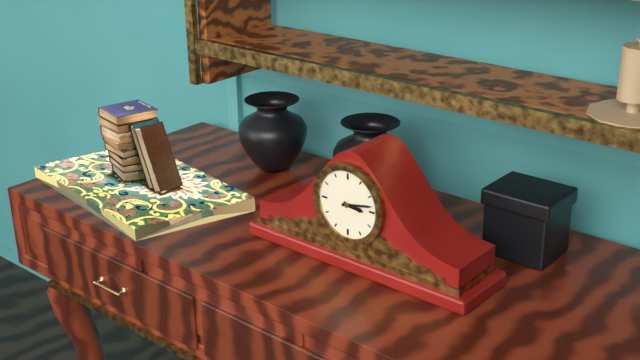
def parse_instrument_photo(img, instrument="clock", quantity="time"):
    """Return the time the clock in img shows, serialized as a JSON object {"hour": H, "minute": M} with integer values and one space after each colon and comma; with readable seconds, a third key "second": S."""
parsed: {"hour": 3, "minute": 13}
